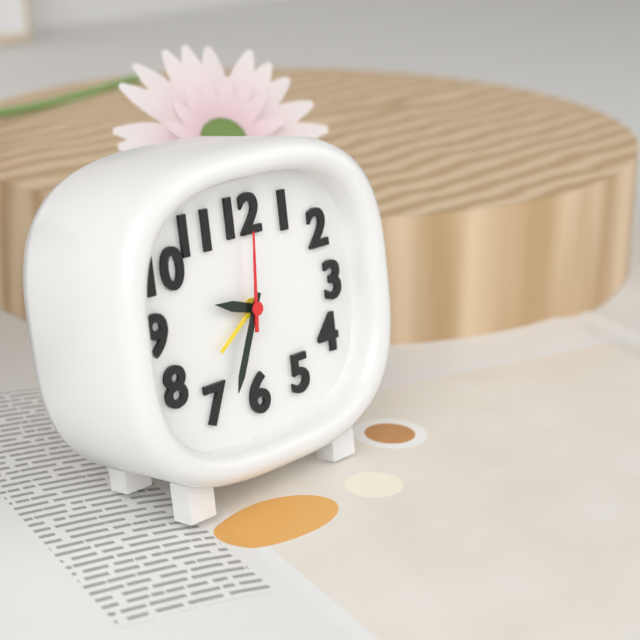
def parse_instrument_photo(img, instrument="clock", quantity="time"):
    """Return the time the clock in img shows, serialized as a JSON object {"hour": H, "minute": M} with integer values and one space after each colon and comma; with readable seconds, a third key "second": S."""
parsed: {"hour": 9, "minute": 34, "second": 1}
